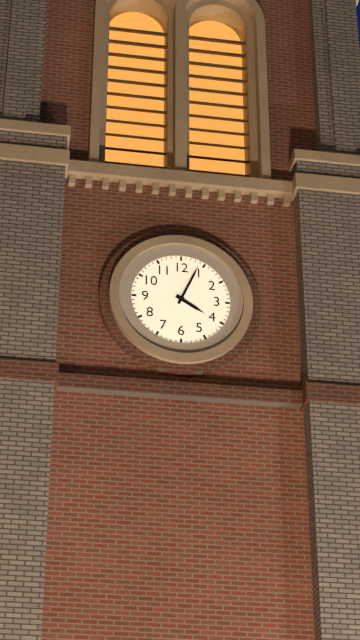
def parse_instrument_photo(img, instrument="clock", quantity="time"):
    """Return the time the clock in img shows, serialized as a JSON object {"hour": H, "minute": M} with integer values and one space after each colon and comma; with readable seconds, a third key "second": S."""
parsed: {"hour": 4, "minute": 4}
